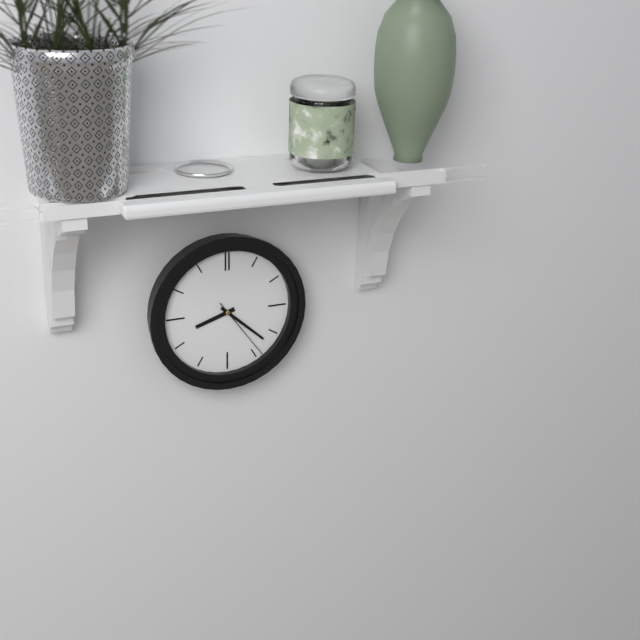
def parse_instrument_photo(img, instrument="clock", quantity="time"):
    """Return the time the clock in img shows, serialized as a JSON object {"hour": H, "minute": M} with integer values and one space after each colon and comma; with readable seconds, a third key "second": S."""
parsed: {"hour": 8, "minute": 22, "second": 24}
